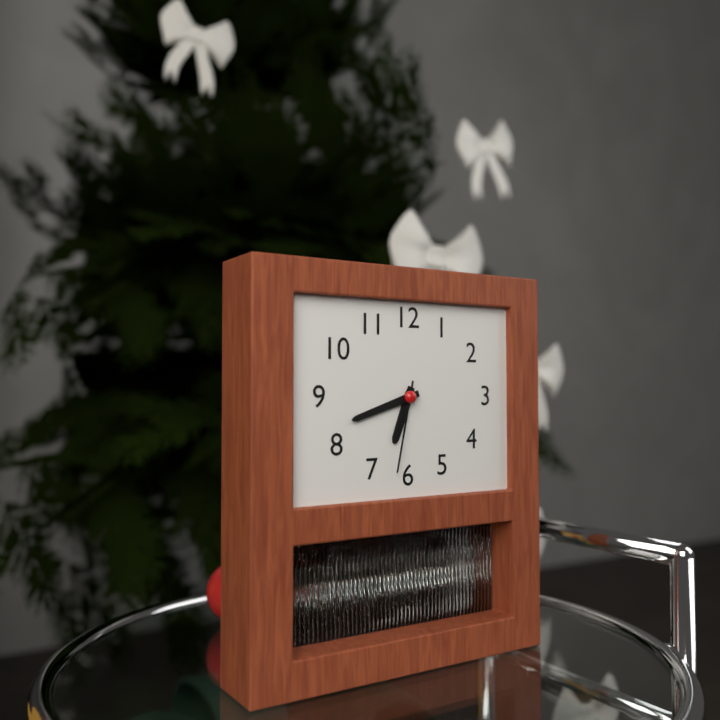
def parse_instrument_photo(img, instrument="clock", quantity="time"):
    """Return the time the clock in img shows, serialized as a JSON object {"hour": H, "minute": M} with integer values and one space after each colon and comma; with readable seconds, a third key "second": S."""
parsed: {"hour": 6, "minute": 42, "second": 32}
